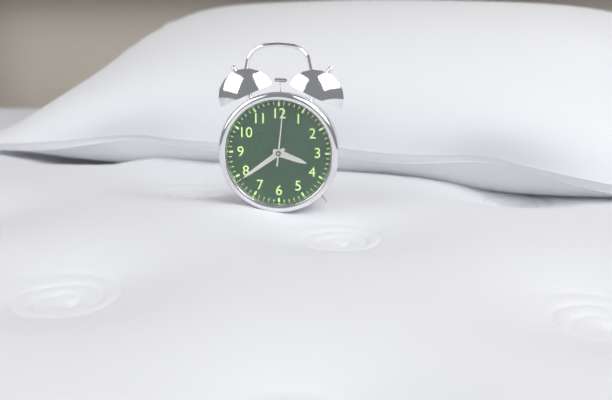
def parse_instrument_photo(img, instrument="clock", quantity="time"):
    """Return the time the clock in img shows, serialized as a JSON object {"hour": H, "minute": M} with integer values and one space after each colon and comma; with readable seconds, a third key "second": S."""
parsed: {"hour": 3, "minute": 39, "second": 1}
